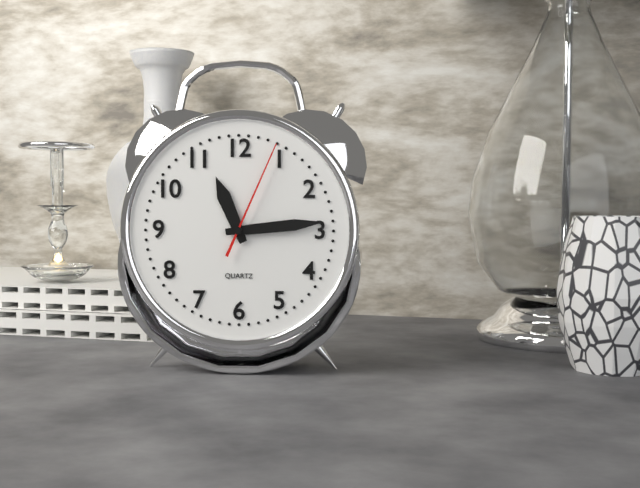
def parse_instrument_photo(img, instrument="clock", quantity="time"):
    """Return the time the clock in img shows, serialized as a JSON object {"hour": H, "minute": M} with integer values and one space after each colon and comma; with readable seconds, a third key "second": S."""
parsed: {"hour": 11, "minute": 14, "second": 4}
